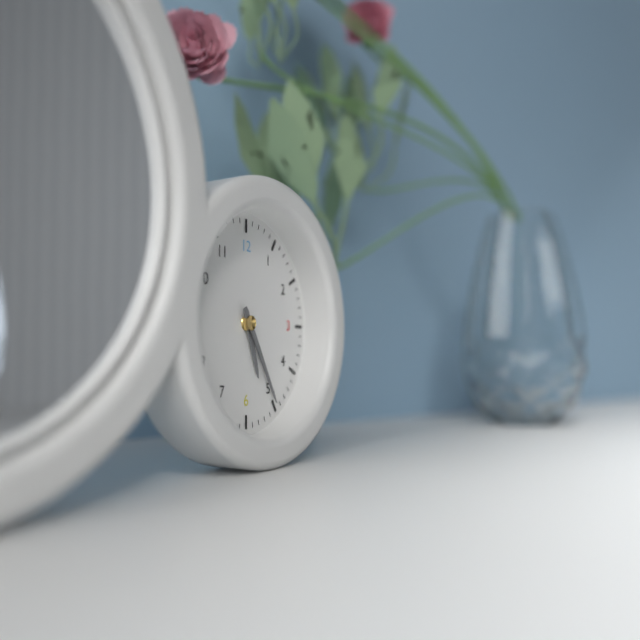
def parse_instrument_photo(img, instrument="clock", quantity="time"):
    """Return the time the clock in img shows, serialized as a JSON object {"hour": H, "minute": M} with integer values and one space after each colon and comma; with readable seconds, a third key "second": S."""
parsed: {"hour": 5, "minute": 25}
